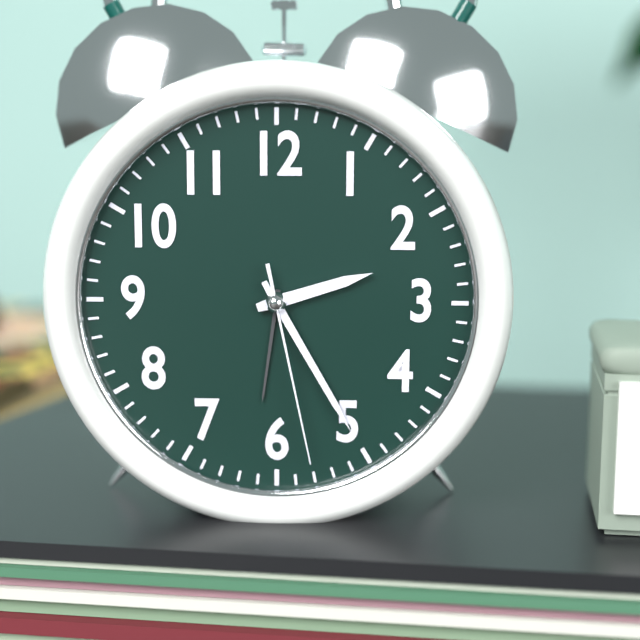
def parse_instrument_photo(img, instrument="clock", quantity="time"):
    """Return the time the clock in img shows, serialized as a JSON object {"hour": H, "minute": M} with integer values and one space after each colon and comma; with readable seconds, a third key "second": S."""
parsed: {"hour": 2, "minute": 25, "second": 28}
